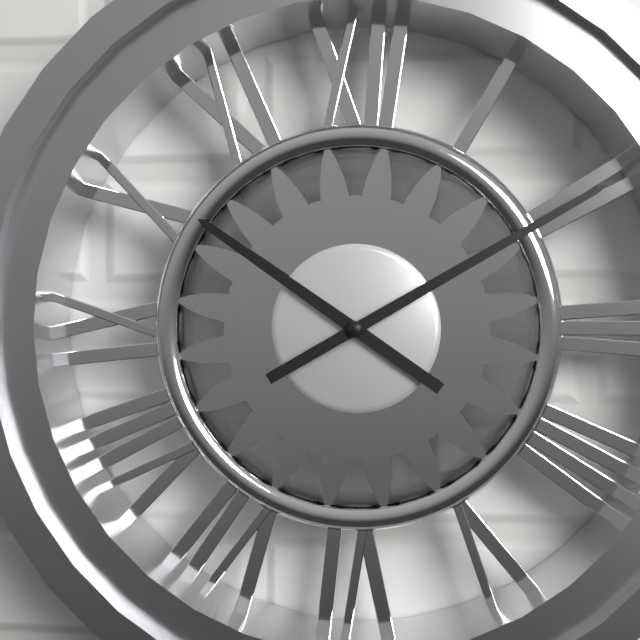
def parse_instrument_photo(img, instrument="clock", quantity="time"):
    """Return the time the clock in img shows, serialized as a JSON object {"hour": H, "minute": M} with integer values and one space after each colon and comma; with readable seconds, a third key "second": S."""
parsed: {"hour": 10, "minute": 10}
